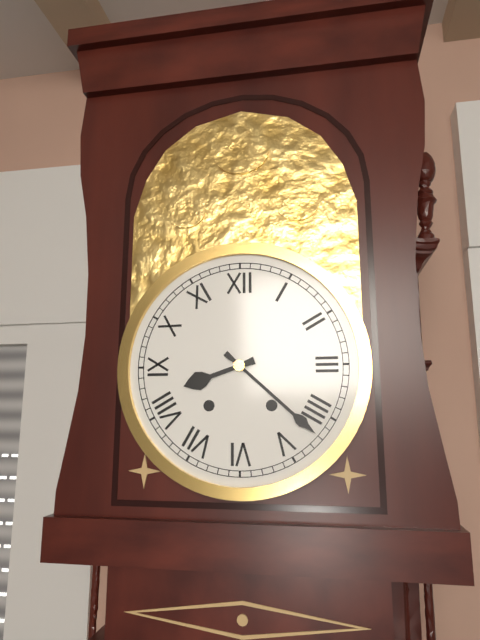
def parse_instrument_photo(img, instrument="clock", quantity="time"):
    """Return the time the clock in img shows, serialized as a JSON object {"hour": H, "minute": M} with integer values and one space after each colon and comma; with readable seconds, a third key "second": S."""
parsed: {"hour": 8, "minute": 22}
